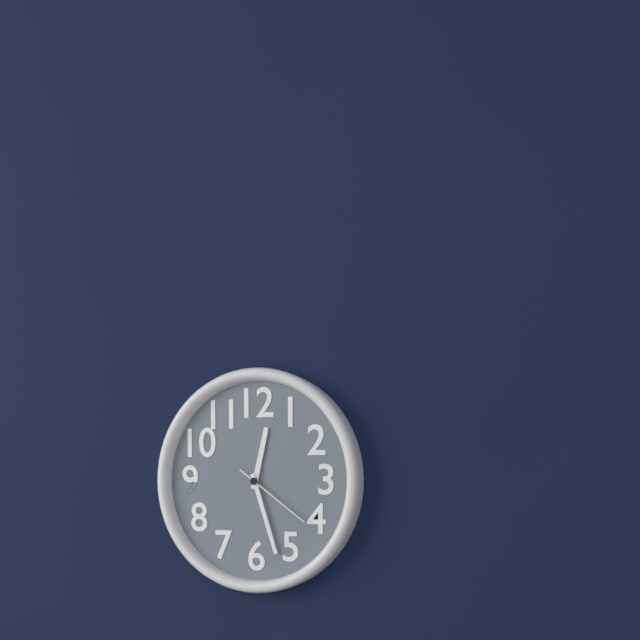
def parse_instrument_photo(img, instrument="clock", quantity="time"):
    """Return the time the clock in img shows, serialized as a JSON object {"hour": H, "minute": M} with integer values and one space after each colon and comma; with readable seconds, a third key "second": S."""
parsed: {"hour": 12, "minute": 27, "second": 21}
